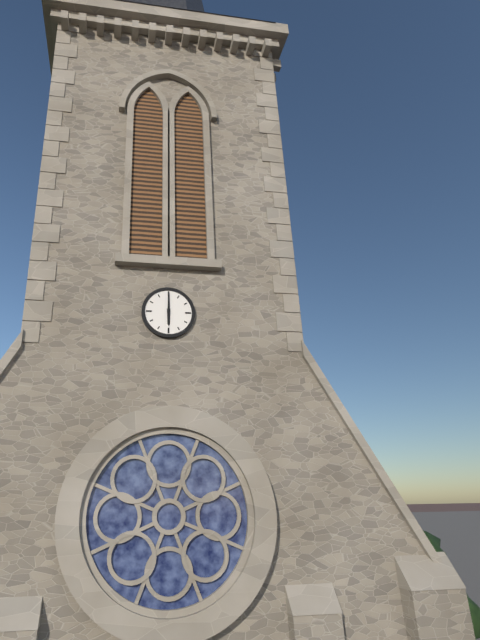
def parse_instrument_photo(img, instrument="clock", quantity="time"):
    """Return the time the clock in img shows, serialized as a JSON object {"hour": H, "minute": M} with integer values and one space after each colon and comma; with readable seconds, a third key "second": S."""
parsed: {"hour": 6, "minute": 0}
